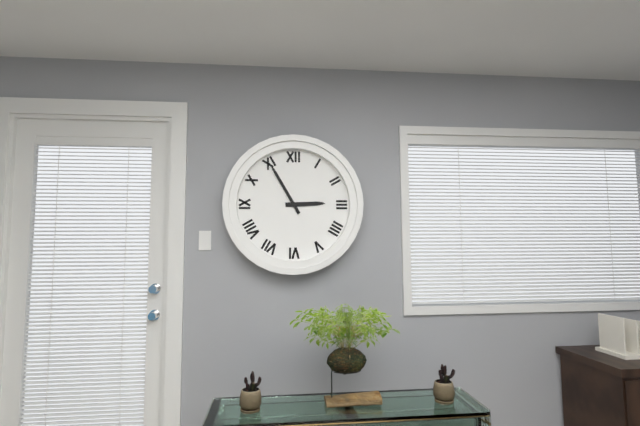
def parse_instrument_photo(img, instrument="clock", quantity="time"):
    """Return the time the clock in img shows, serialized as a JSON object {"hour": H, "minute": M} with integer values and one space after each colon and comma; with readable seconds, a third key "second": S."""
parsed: {"hour": 2, "minute": 55}
